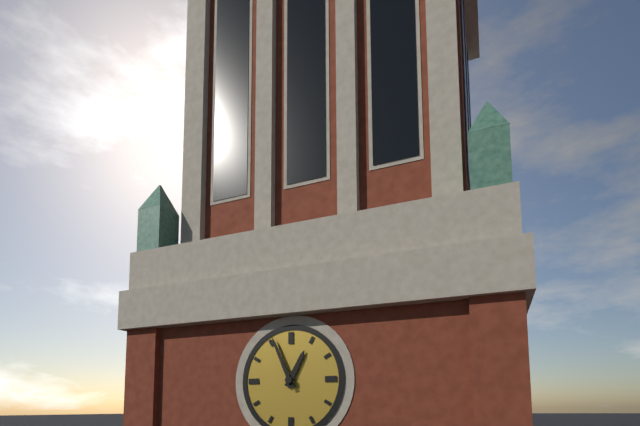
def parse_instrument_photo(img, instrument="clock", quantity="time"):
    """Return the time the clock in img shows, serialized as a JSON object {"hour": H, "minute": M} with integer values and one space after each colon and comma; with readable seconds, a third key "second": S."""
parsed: {"hour": 12, "minute": 56}
